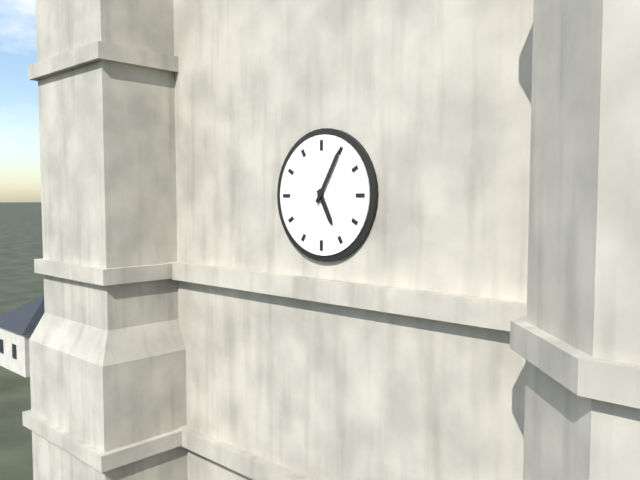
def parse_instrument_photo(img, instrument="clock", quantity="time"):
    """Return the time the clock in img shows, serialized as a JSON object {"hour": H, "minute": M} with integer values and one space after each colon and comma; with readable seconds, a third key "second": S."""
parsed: {"hour": 5, "minute": 5}
